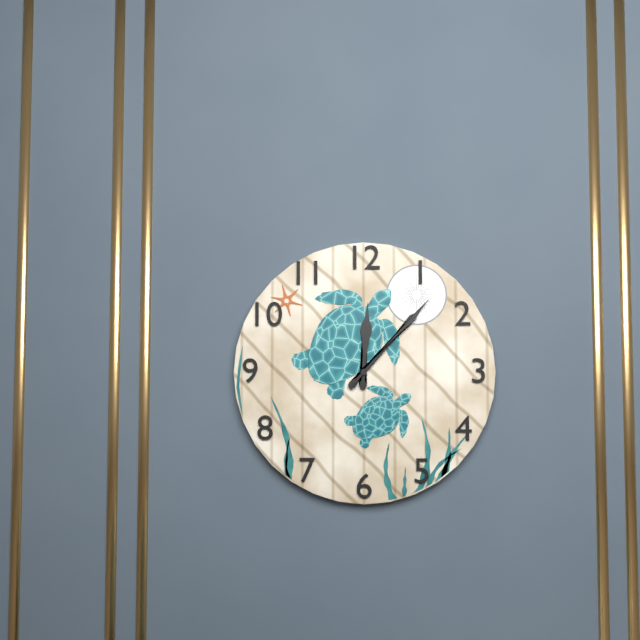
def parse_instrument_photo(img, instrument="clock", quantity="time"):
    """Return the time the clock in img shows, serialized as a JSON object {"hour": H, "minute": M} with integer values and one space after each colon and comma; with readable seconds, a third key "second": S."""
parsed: {"hour": 12, "minute": 7}
